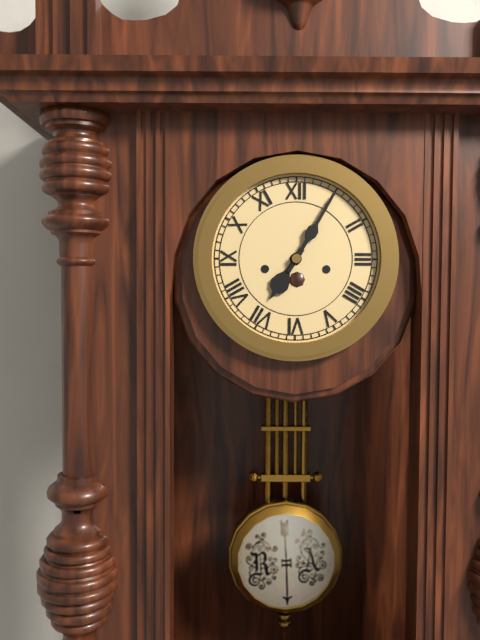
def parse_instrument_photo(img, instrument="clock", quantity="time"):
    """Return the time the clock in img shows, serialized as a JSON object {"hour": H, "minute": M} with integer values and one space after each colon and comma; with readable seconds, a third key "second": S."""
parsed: {"hour": 7, "minute": 5}
